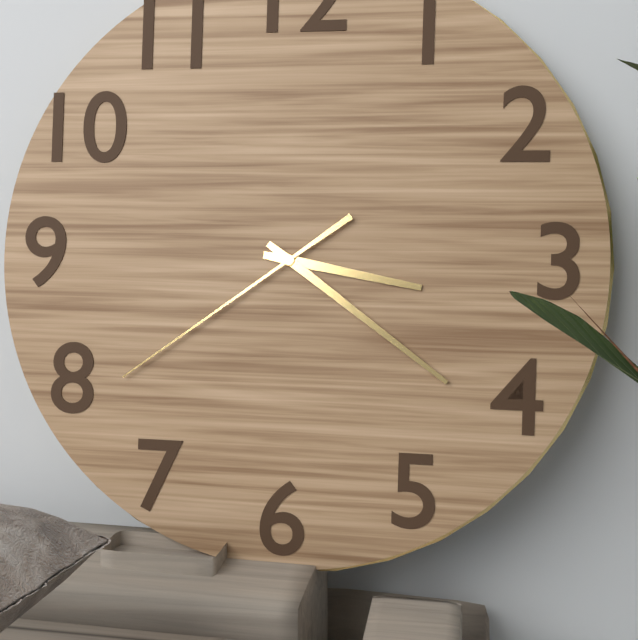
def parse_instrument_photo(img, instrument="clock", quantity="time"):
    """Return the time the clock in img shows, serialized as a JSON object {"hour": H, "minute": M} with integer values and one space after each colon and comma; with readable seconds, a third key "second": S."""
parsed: {"hour": 3, "minute": 21, "second": 39}
